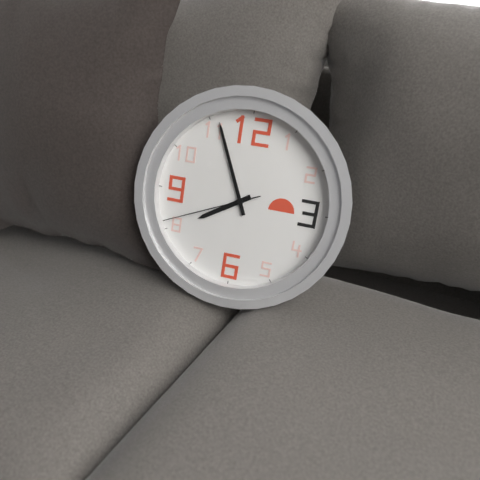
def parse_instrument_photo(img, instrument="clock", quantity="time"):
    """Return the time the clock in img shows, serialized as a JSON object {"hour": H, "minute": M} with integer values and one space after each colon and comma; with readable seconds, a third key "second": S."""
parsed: {"hour": 7, "minute": 56, "second": 41}
